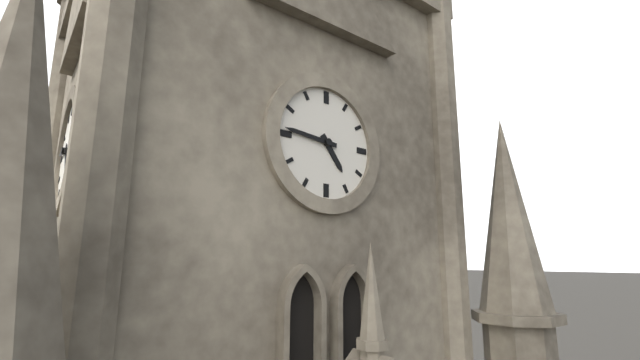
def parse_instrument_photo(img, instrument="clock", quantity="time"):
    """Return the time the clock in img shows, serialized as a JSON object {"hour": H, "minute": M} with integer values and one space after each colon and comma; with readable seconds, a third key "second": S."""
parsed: {"hour": 4, "minute": 46}
